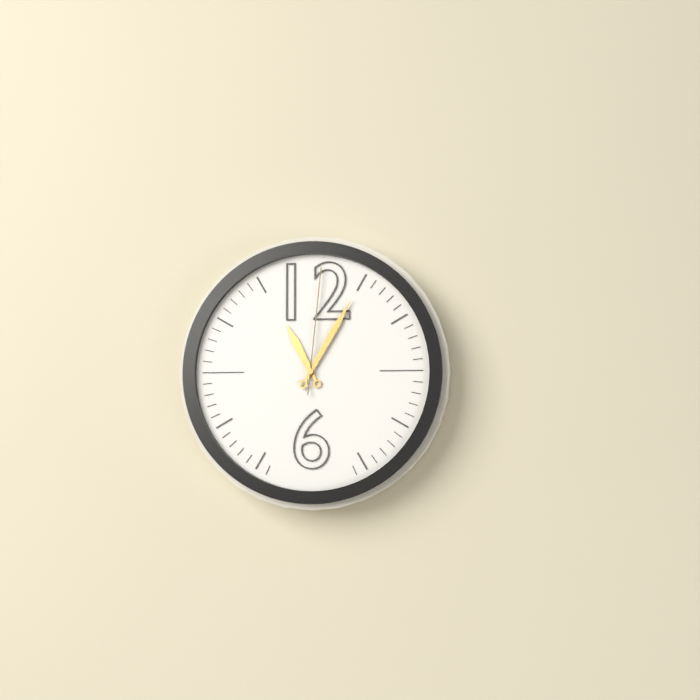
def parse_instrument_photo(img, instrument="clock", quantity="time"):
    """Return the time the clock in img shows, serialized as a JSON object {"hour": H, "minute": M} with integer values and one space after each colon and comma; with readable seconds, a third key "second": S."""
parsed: {"hour": 11, "minute": 5, "second": 1}
